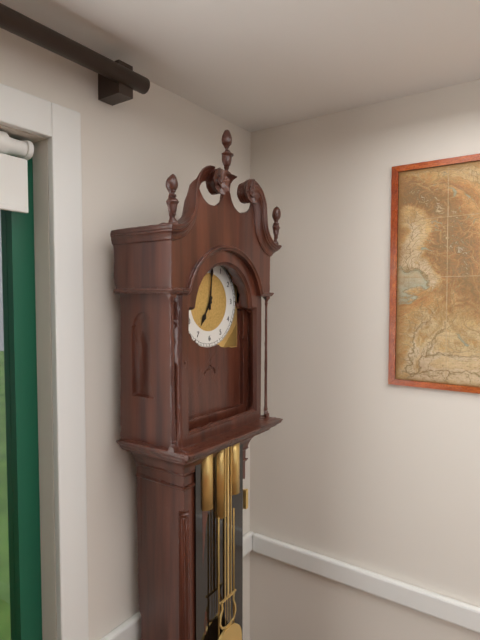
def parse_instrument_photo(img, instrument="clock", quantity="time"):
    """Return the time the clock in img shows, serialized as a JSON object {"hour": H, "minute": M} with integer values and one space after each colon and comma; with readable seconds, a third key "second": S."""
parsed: {"hour": 7, "minute": 1}
